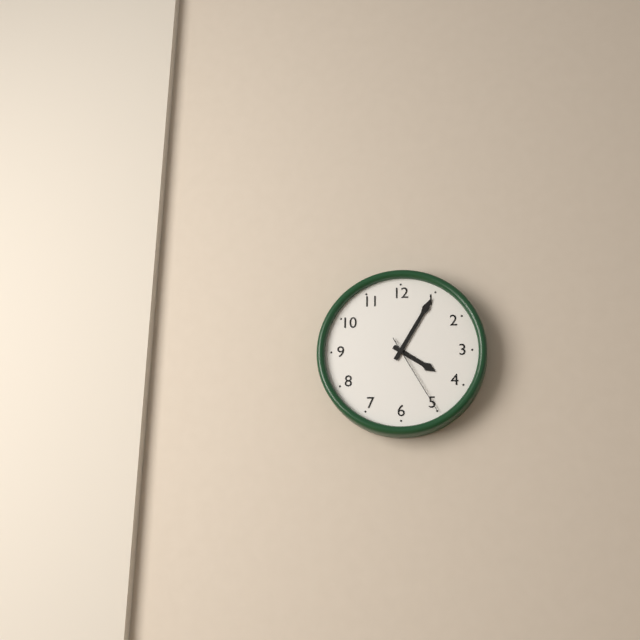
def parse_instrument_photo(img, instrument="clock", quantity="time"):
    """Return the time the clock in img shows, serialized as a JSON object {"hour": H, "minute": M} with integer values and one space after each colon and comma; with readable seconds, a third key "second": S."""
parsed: {"hour": 4, "minute": 5, "second": 25}
